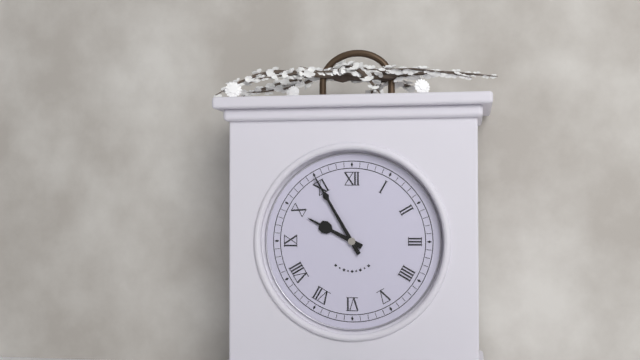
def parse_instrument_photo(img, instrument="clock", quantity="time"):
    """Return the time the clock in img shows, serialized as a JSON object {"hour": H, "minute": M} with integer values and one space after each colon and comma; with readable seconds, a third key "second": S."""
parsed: {"hour": 9, "minute": 55}
